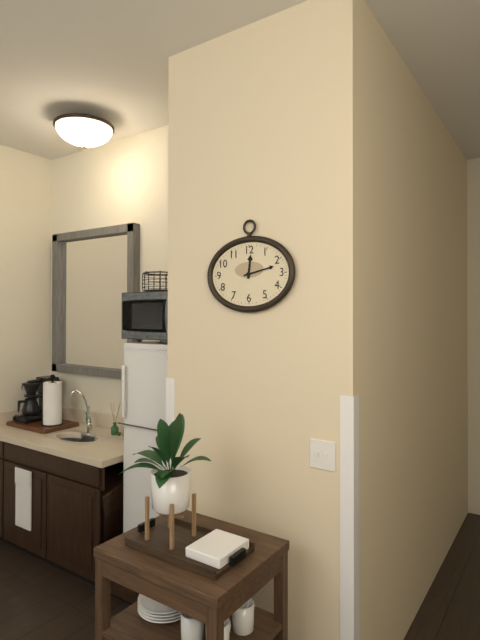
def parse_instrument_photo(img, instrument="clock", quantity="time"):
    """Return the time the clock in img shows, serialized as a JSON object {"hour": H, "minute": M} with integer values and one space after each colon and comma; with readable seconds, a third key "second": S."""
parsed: {"hour": 12, "minute": 13}
